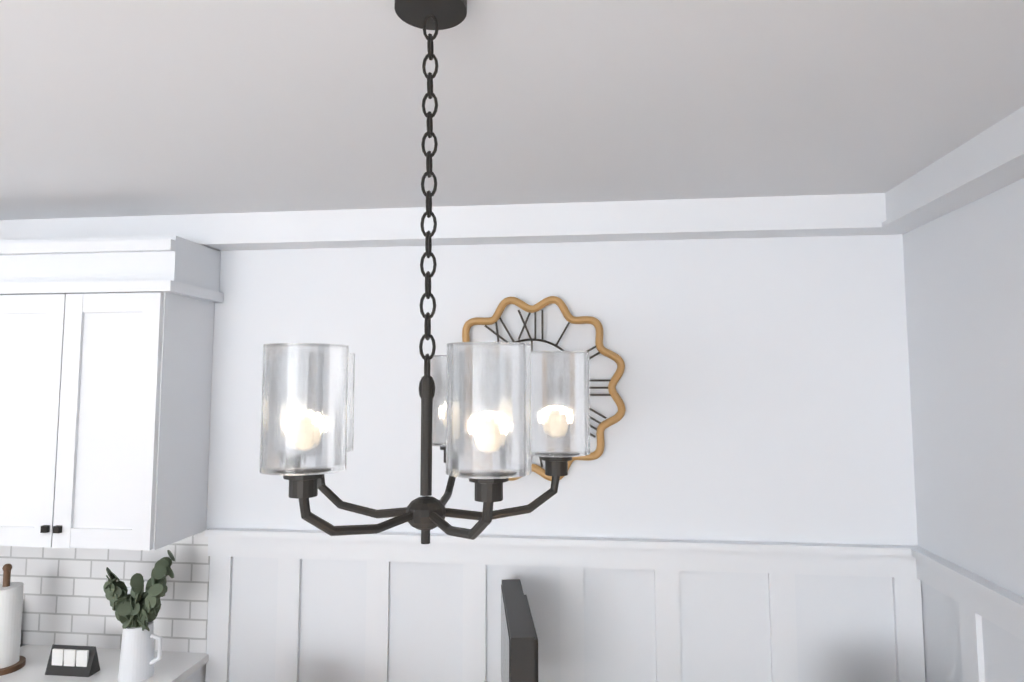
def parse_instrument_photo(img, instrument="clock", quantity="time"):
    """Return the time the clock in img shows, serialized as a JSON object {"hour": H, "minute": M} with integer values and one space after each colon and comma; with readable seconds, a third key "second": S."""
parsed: {"hour": 9, "minute": 6}
